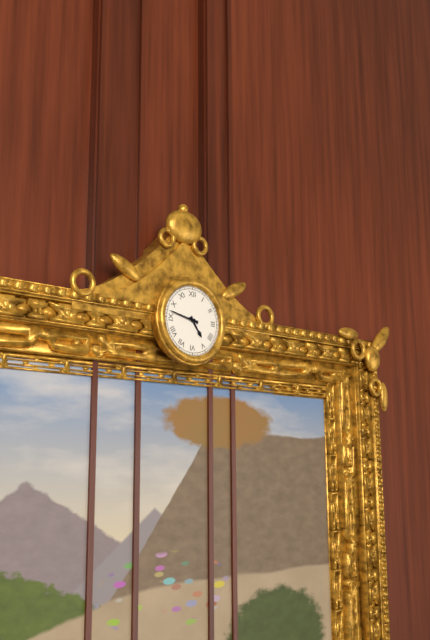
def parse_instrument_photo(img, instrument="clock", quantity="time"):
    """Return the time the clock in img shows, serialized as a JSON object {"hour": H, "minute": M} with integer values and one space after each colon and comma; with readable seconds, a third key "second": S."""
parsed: {"hour": 4, "minute": 47}
